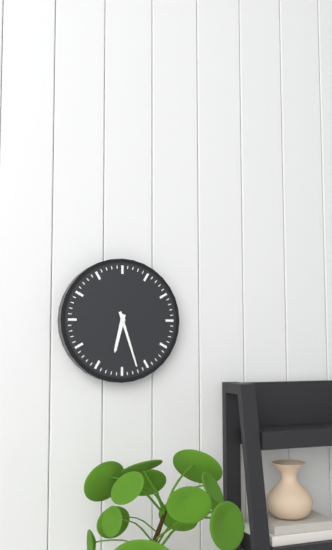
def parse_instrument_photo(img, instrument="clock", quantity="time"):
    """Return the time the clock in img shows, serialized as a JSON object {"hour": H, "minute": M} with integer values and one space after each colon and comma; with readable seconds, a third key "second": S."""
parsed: {"hour": 6, "minute": 27}
